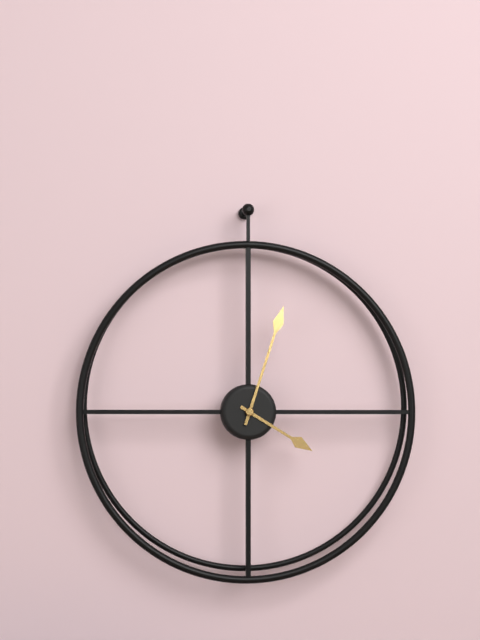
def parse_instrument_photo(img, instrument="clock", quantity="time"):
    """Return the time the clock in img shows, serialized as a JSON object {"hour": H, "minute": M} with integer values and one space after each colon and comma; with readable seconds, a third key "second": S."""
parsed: {"hour": 4, "minute": 3}
